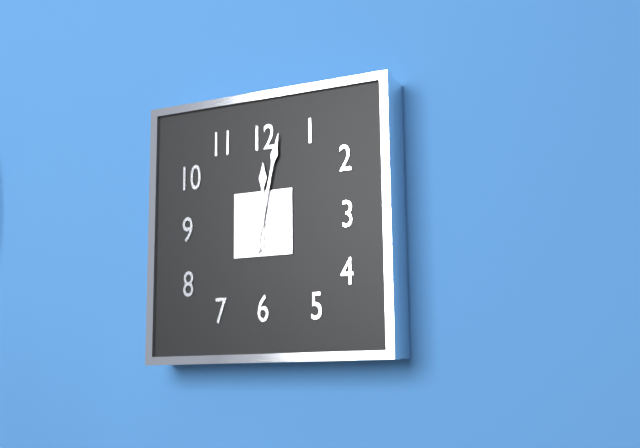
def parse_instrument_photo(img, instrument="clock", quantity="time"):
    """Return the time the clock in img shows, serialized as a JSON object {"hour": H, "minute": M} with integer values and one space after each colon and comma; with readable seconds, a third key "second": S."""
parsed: {"hour": 12, "minute": 2}
